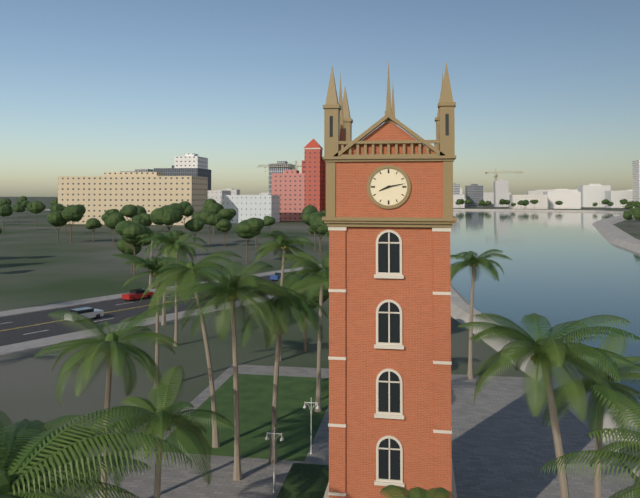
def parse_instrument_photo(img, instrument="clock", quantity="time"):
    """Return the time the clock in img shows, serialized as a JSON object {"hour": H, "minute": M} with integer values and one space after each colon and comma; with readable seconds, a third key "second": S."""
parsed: {"hour": 8, "minute": 13}
